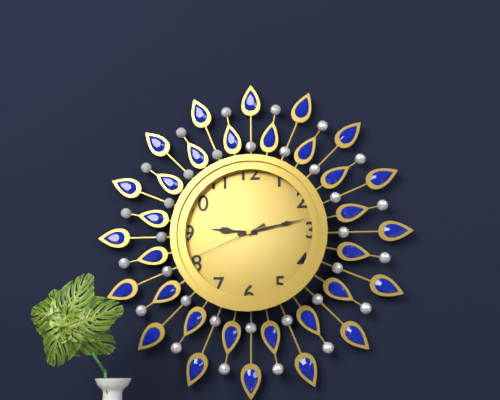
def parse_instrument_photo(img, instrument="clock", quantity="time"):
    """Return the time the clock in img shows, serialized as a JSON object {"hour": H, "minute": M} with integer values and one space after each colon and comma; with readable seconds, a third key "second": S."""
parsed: {"hour": 9, "minute": 13, "second": 41}
